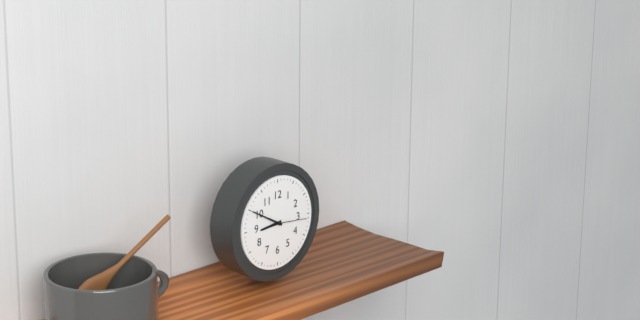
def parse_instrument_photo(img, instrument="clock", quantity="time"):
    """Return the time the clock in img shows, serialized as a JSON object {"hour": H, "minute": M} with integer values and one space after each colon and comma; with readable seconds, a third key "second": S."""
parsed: {"hour": 8, "minute": 50}
